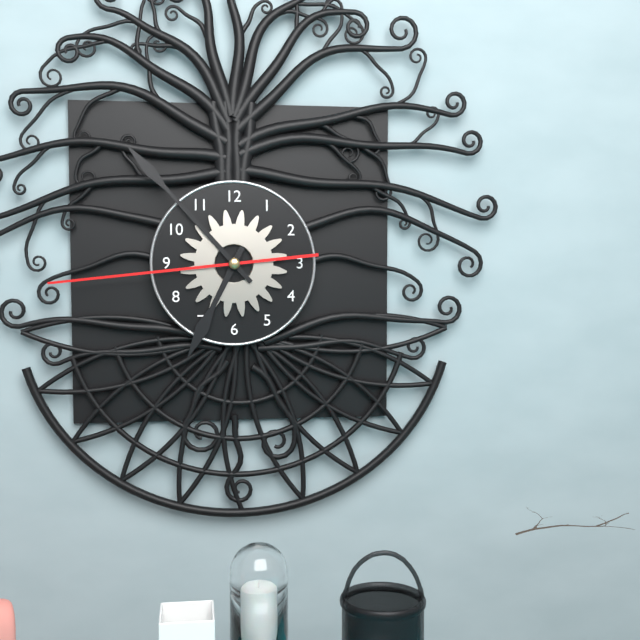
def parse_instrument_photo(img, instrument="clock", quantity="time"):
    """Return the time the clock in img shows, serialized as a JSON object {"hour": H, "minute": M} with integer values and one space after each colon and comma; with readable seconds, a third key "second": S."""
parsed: {"hour": 6, "minute": 53, "second": 44}
